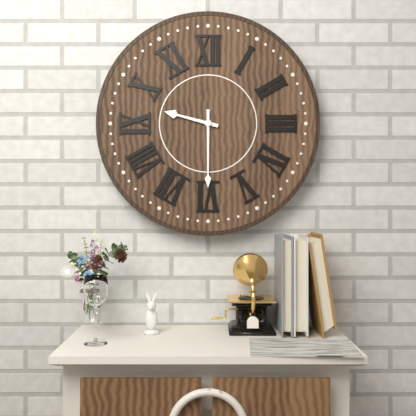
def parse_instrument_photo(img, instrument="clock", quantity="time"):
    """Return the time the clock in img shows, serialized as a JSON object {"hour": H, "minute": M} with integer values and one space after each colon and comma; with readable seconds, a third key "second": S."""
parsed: {"hour": 9, "minute": 30}
